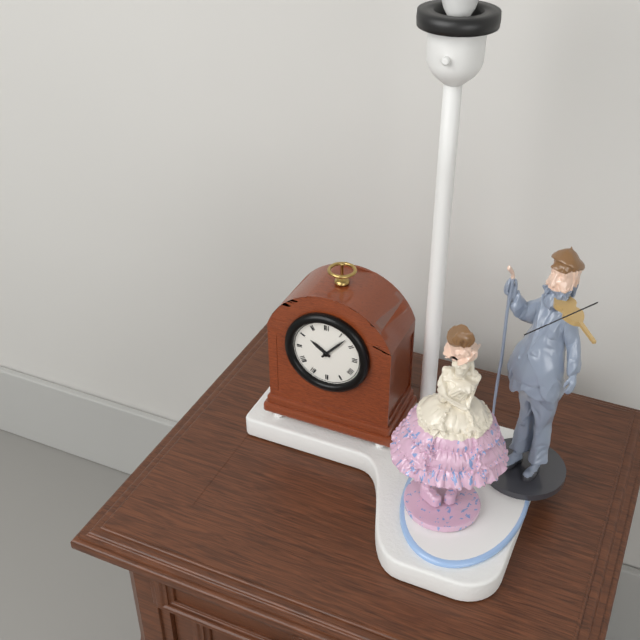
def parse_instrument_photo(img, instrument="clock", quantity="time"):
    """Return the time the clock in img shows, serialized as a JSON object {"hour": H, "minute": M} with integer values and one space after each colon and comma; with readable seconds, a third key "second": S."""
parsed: {"hour": 10, "minute": 7}
